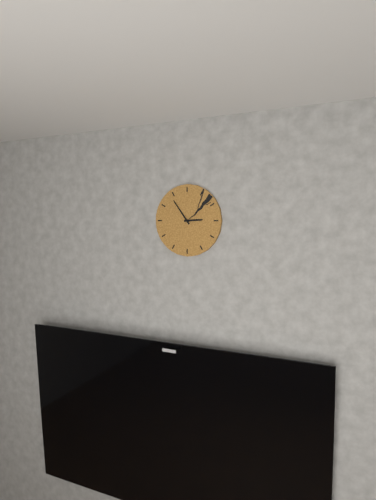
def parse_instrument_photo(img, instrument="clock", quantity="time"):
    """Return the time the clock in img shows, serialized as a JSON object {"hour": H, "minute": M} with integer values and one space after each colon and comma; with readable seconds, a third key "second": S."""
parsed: {"hour": 2, "minute": 54}
